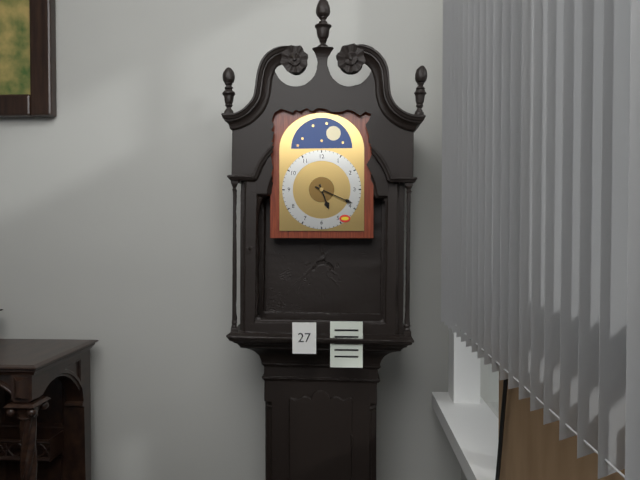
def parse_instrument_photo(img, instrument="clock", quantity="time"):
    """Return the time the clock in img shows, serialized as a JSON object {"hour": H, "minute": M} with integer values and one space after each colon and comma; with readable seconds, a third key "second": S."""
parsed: {"hour": 5, "minute": 19}
